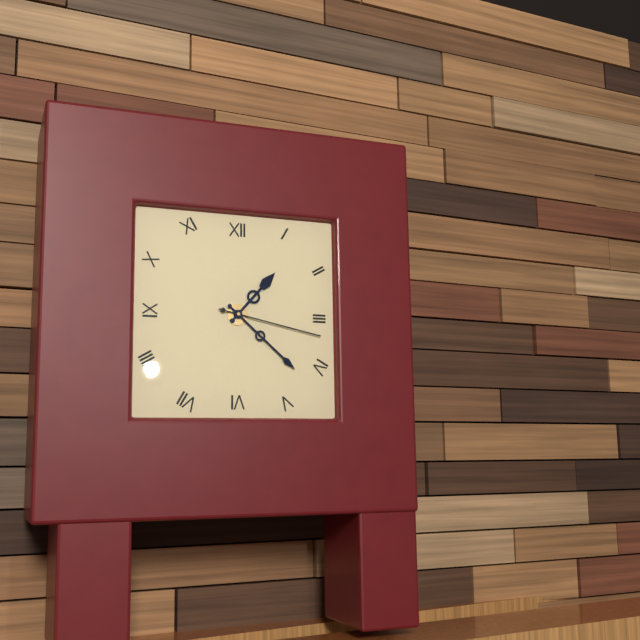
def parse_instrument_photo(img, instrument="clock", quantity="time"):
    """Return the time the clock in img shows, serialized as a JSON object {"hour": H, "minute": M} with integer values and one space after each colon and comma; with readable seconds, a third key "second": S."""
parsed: {"hour": 1, "minute": 22, "second": 17}
